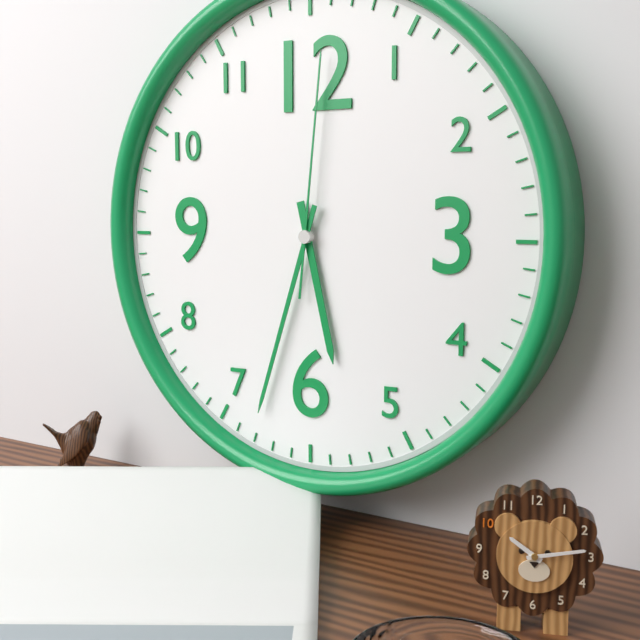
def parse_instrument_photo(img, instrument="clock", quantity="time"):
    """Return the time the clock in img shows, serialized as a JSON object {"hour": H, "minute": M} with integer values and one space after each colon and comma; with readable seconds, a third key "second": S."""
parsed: {"hour": 5, "minute": 33, "second": 1}
